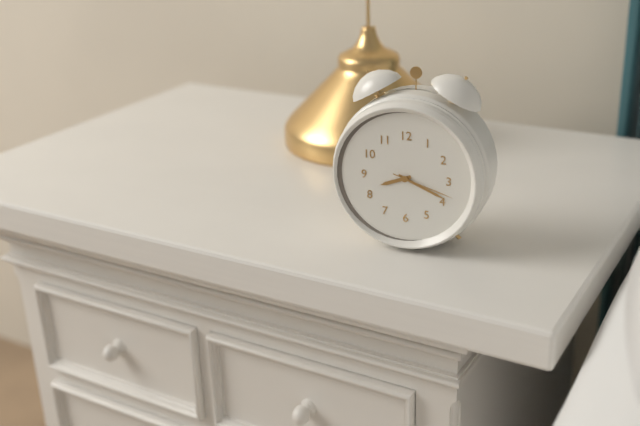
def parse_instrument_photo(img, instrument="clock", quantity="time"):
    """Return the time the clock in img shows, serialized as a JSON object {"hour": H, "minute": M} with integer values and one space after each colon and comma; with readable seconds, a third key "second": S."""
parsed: {"hour": 8, "minute": 19, "second": 18}
